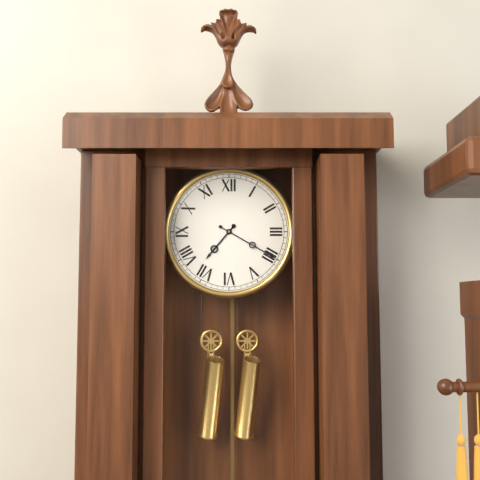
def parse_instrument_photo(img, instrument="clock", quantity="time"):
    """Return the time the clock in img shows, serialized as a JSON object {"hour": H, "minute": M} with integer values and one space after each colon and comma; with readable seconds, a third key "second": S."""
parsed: {"hour": 7, "minute": 20}
